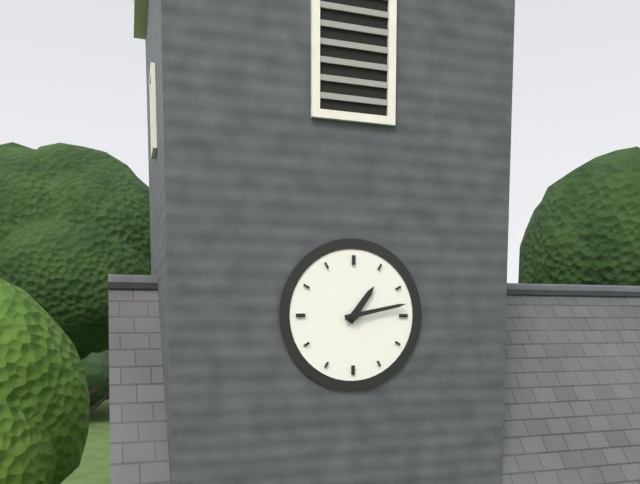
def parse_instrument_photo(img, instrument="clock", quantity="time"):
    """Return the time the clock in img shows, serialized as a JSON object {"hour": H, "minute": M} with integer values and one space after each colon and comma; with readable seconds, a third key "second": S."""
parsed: {"hour": 1, "minute": 13}
